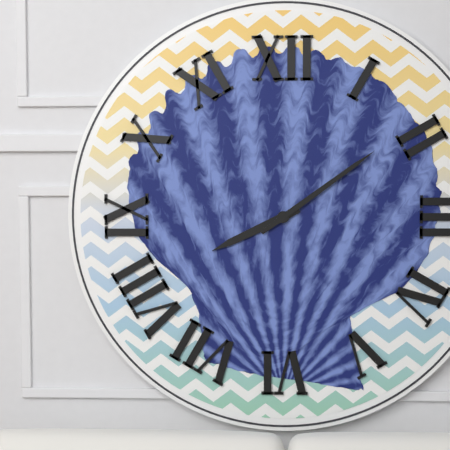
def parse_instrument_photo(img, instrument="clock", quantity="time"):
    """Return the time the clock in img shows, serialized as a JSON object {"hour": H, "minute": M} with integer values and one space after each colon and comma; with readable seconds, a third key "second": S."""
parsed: {"hour": 8, "minute": 9}
